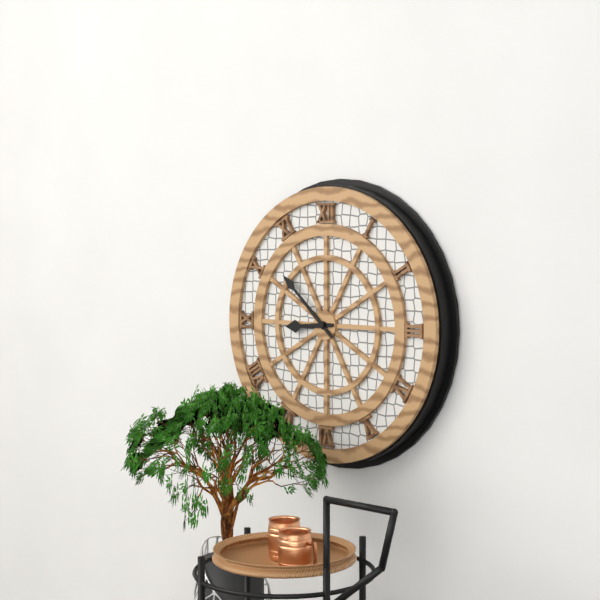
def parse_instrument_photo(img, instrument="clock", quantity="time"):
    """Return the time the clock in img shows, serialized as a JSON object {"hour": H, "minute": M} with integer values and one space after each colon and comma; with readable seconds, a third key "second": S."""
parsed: {"hour": 8, "minute": 52}
